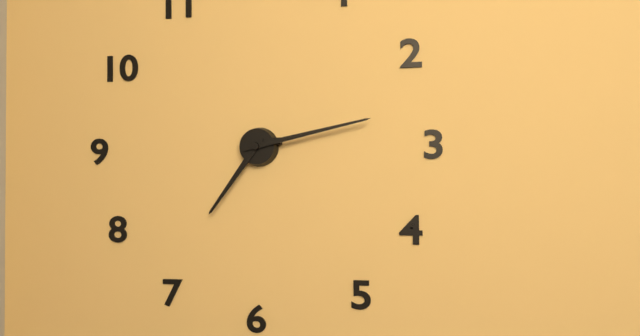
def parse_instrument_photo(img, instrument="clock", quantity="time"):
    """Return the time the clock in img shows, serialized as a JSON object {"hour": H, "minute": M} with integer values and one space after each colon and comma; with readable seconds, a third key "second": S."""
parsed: {"hour": 7, "minute": 13}
